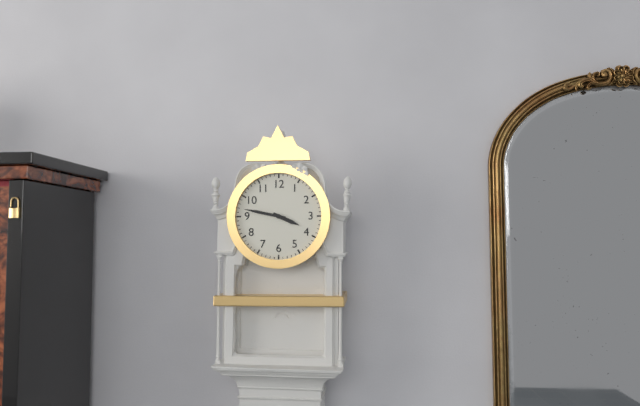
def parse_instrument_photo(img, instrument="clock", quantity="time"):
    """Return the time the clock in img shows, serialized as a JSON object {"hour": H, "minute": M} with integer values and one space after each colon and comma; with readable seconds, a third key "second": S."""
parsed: {"hour": 3, "minute": 47}
